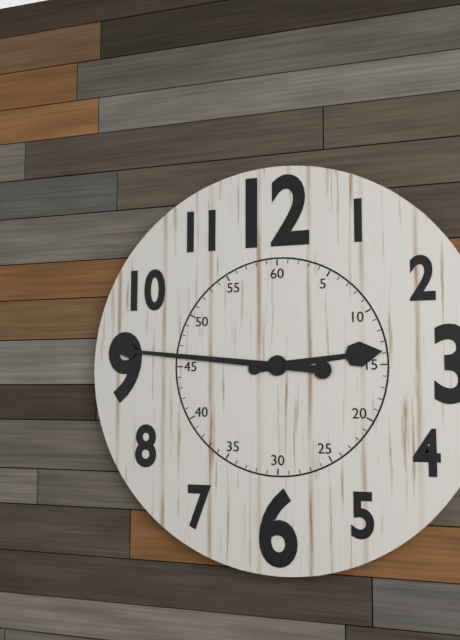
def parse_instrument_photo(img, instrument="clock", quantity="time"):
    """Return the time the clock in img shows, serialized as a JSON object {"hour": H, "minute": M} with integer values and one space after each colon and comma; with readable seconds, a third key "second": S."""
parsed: {"hour": 2, "minute": 46}
